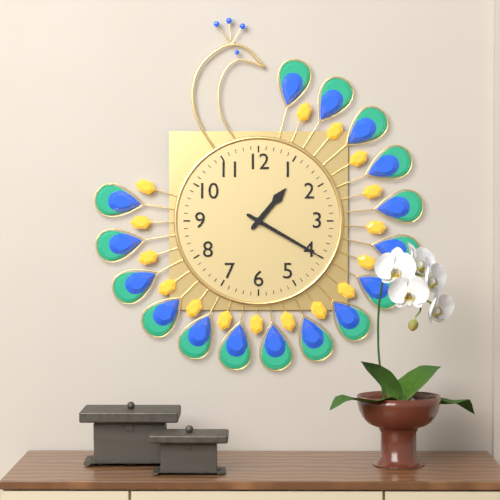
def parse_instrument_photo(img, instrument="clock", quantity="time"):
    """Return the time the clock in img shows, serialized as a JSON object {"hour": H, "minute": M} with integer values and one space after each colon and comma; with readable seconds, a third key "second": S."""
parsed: {"hour": 1, "minute": 20}
